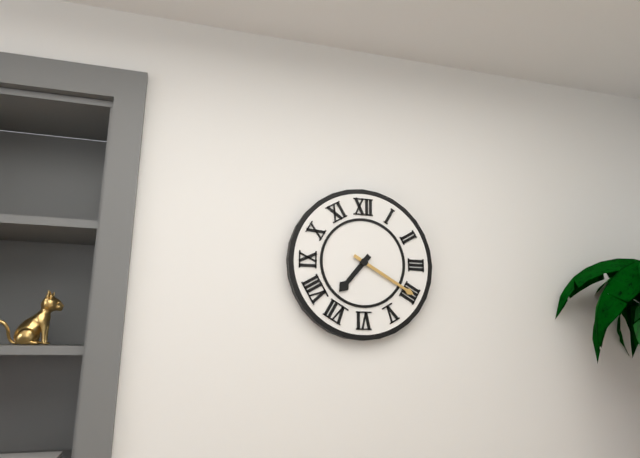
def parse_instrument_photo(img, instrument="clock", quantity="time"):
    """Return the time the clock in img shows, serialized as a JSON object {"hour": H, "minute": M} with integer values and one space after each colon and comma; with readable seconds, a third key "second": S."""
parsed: {"hour": 7, "minute": 20}
